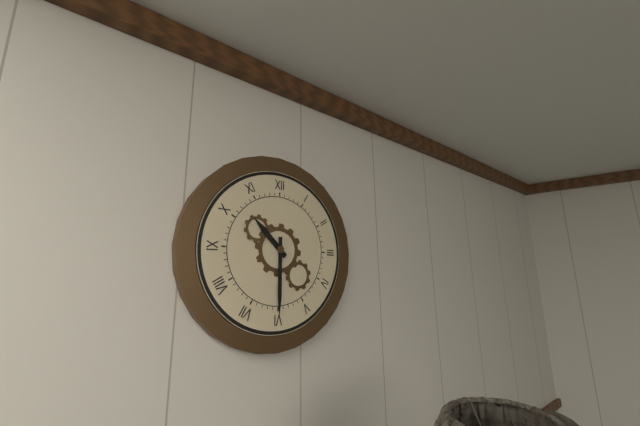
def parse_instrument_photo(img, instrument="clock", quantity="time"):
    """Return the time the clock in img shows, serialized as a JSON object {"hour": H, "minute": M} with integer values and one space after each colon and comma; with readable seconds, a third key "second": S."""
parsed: {"hour": 10, "minute": 30}
